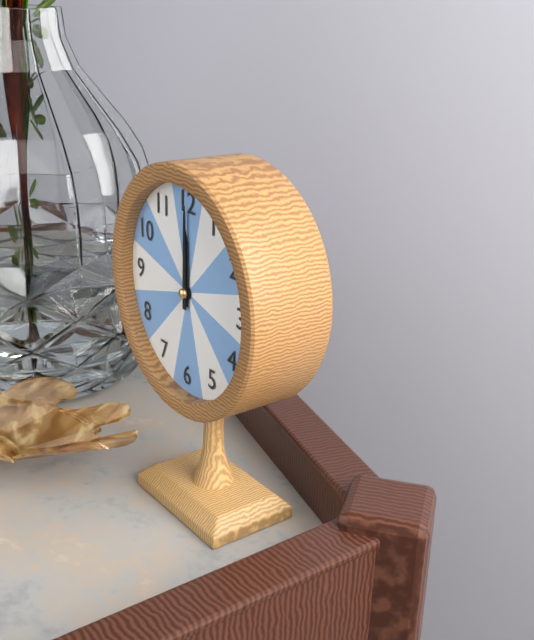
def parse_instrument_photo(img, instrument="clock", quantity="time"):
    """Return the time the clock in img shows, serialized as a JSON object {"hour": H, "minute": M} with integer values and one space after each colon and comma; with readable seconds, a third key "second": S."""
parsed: {"hour": 12, "minute": 0}
